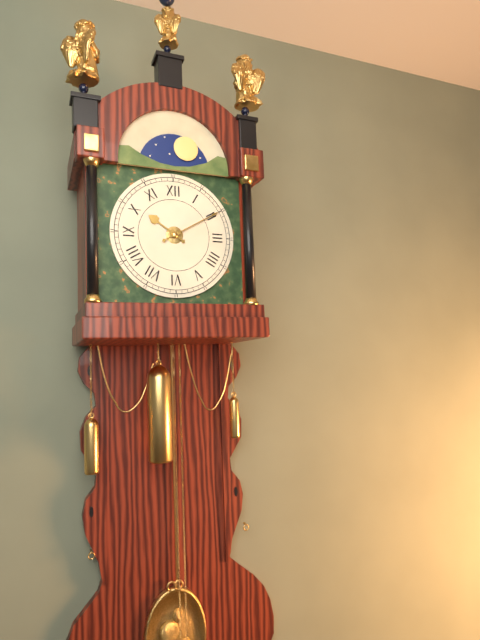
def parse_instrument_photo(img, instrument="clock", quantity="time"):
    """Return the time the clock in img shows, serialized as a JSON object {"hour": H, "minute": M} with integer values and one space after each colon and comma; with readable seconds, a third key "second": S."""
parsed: {"hour": 10, "minute": 10}
